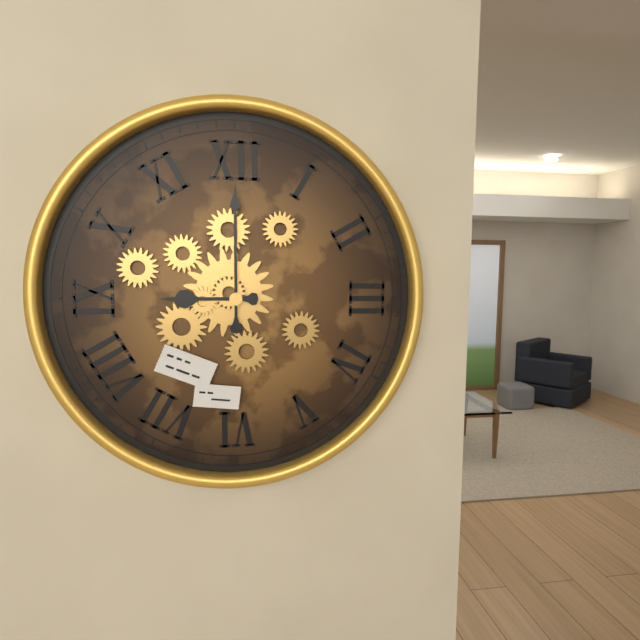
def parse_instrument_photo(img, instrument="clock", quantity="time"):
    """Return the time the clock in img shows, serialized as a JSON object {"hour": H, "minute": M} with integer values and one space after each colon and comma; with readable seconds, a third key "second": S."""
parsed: {"hour": 9, "minute": 0}
